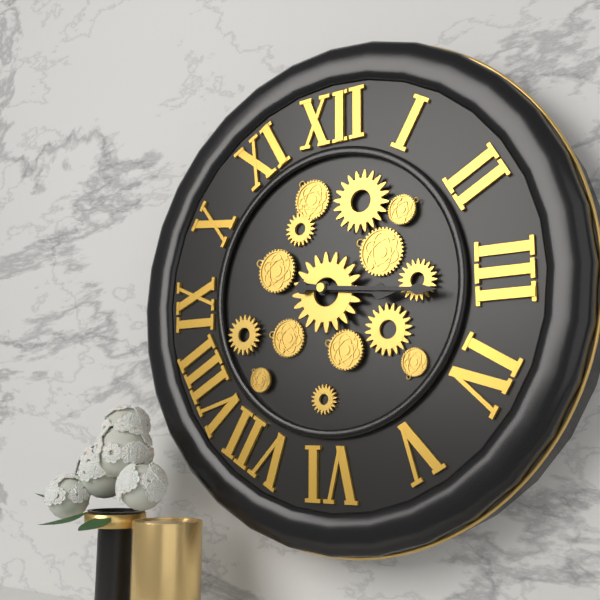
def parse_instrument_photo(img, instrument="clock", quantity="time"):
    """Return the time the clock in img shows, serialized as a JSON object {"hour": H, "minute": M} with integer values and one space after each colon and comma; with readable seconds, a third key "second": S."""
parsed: {"hour": 3, "minute": 16}
